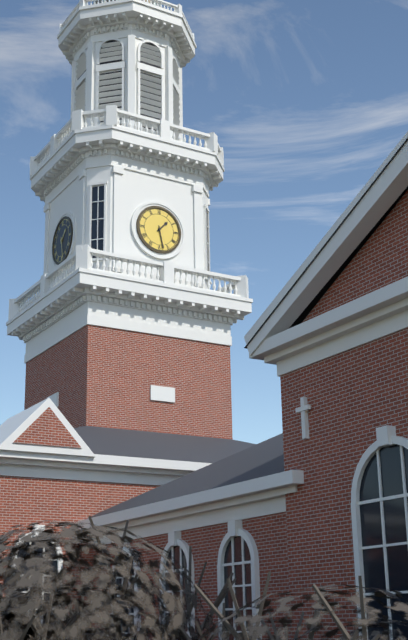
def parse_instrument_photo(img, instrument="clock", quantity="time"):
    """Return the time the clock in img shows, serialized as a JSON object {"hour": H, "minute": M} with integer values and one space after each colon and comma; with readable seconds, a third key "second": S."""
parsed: {"hour": 1, "minute": 28}
